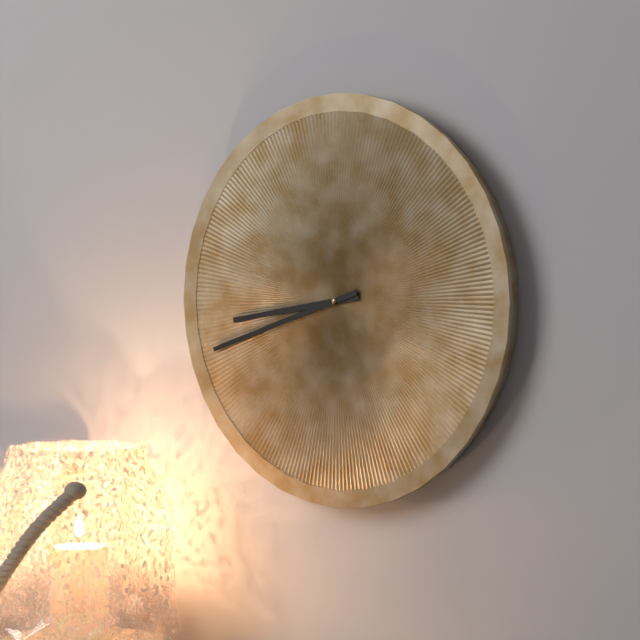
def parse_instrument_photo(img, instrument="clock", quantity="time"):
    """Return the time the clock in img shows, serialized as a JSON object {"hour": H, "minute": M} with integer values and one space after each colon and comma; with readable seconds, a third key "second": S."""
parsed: {"hour": 8, "minute": 42}
